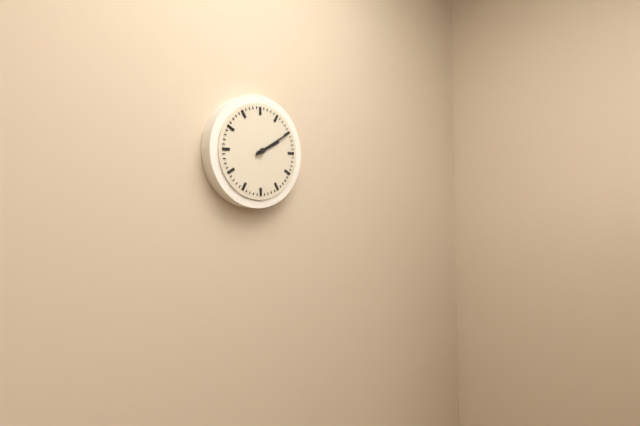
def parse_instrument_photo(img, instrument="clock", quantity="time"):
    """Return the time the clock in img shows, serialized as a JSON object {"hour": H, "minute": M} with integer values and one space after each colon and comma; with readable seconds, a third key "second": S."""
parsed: {"hour": 2, "minute": 10}
